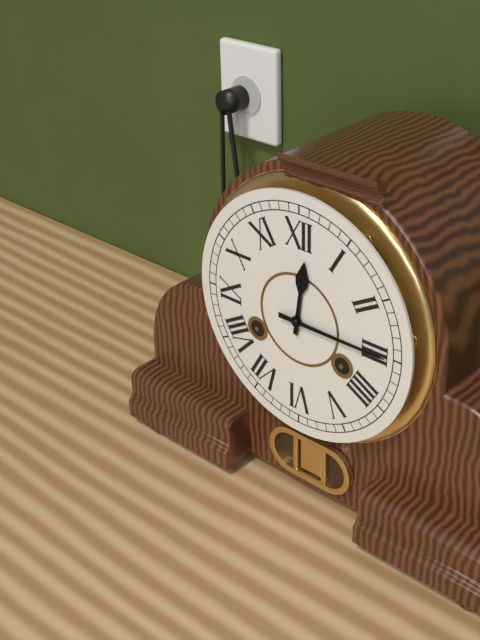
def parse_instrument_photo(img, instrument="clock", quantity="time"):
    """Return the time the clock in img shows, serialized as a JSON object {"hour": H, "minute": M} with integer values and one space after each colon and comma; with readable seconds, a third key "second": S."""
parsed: {"hour": 12, "minute": 15}
